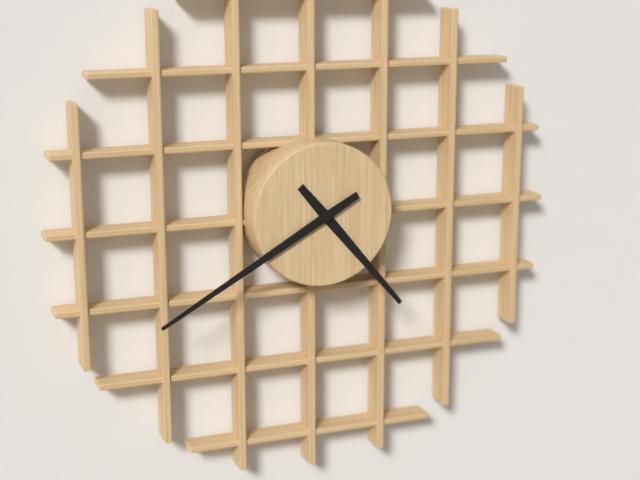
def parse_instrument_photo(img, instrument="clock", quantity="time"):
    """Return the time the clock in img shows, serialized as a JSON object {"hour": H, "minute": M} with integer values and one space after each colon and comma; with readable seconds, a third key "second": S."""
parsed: {"hour": 4, "minute": 40}
